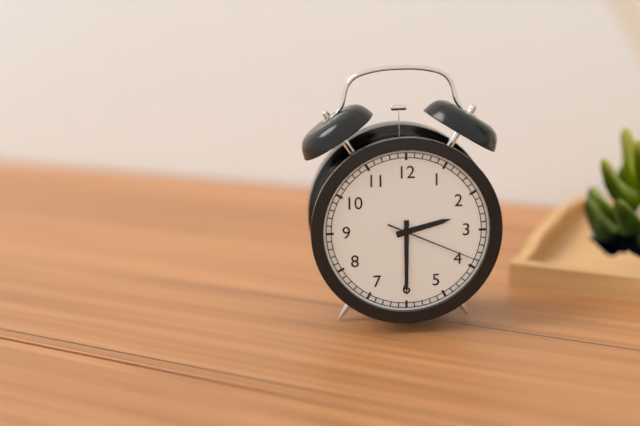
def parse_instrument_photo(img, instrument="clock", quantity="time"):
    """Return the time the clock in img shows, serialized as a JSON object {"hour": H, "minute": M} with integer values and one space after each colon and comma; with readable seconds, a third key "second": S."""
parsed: {"hour": 2, "minute": 30, "second": 19}
